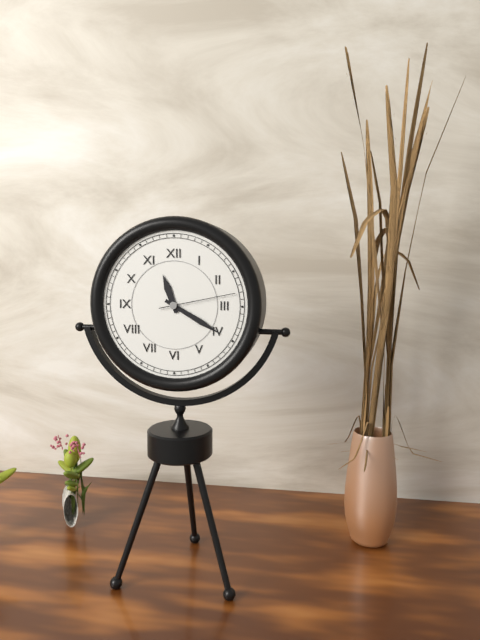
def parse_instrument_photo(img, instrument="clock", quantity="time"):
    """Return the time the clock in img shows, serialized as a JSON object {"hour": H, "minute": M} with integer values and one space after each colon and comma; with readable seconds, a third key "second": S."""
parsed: {"hour": 11, "minute": 20, "second": 13}
